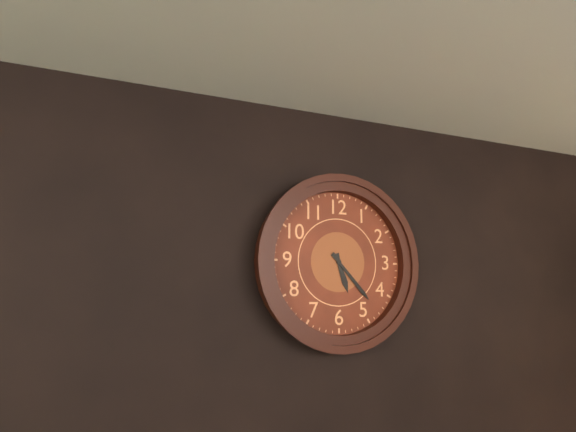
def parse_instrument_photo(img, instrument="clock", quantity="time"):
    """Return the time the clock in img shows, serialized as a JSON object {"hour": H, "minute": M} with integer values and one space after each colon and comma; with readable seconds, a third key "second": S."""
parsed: {"hour": 5, "minute": 23}
